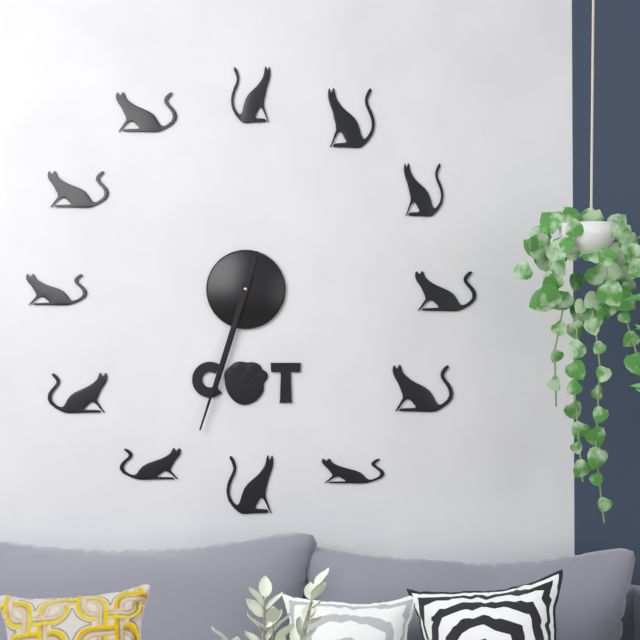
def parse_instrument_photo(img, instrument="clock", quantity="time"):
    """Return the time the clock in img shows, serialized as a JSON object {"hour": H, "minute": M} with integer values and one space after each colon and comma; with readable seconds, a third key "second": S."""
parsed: {"hour": 6, "minute": 33}
